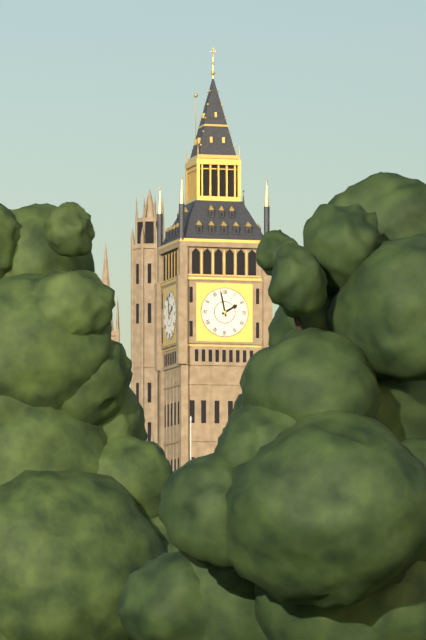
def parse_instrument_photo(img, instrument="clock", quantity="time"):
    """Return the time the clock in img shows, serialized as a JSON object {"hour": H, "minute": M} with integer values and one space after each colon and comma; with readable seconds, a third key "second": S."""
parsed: {"hour": 1, "minute": 58}
